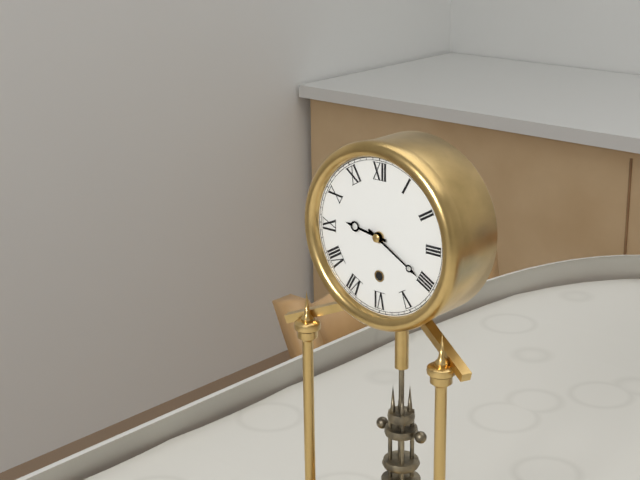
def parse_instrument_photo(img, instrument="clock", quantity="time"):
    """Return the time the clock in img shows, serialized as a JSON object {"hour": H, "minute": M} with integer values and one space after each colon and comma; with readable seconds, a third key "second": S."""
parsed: {"hour": 9, "minute": 20}
